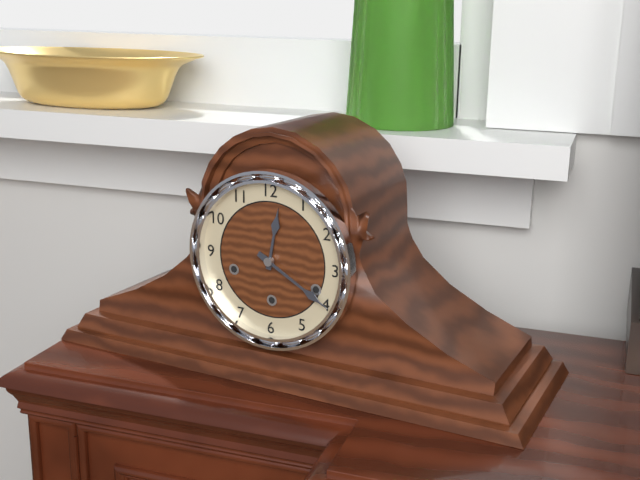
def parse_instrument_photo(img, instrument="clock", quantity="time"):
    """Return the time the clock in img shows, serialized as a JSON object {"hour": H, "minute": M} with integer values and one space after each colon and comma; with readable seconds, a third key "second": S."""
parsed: {"hour": 12, "minute": 20}
